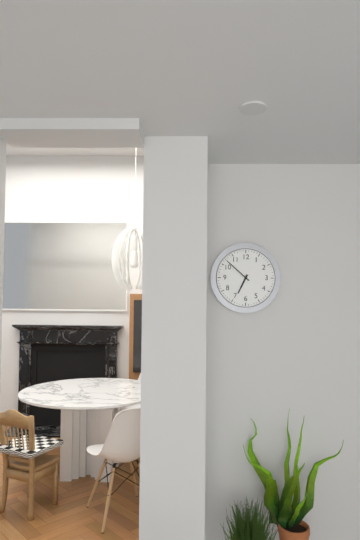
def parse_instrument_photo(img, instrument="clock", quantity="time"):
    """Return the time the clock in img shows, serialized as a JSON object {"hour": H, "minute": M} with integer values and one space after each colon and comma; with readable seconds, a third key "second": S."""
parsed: {"hour": 6, "minute": 52}
